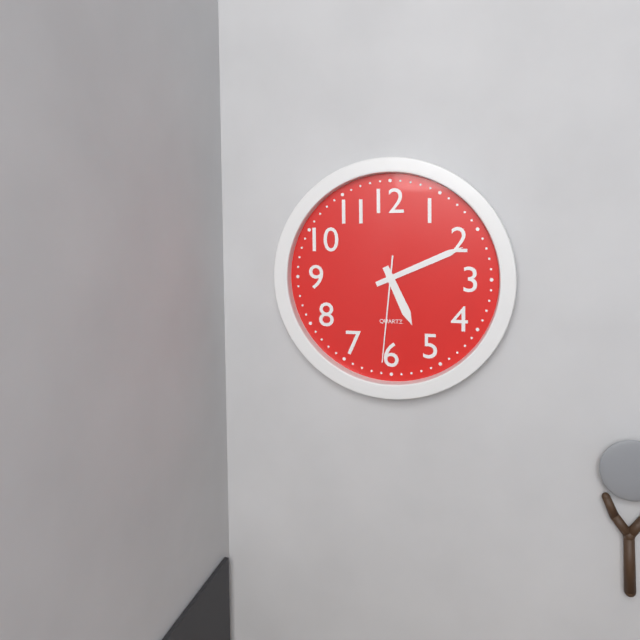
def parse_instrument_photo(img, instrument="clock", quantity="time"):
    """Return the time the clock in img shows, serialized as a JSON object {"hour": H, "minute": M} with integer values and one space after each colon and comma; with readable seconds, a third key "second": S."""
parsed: {"hour": 5, "minute": 11, "second": 31}
